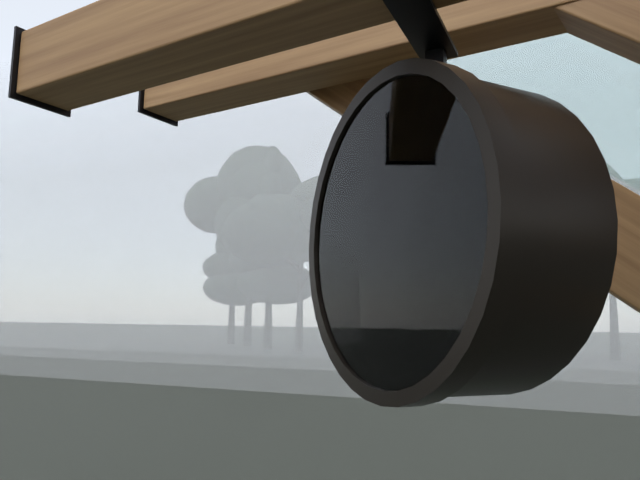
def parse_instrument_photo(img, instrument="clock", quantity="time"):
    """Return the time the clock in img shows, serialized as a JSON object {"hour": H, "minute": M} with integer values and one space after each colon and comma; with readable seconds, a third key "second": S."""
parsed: {"hour": 6, "minute": 51}
